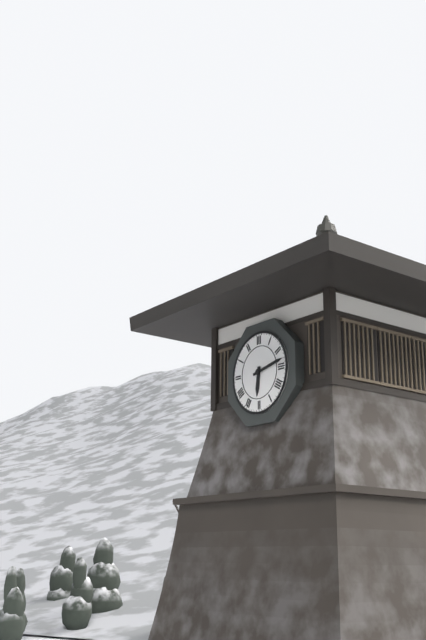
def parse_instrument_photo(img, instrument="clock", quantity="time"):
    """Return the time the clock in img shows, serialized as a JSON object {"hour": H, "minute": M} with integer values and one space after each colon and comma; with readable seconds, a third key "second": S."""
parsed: {"hour": 6, "minute": 13}
